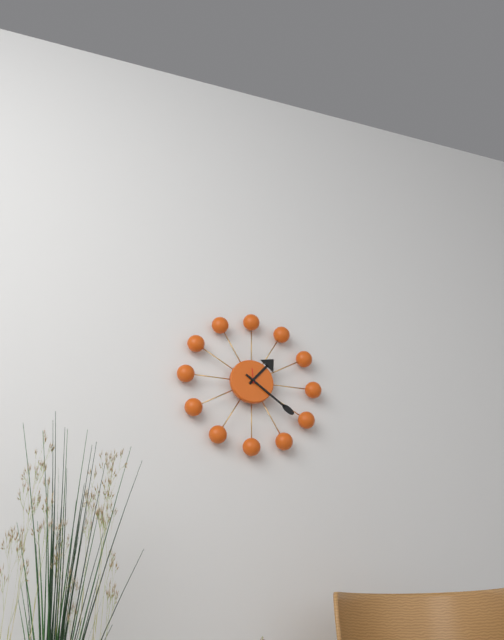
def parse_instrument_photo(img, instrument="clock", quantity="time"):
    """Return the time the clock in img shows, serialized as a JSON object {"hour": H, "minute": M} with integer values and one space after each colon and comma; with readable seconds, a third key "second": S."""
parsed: {"hour": 1, "minute": 21}
